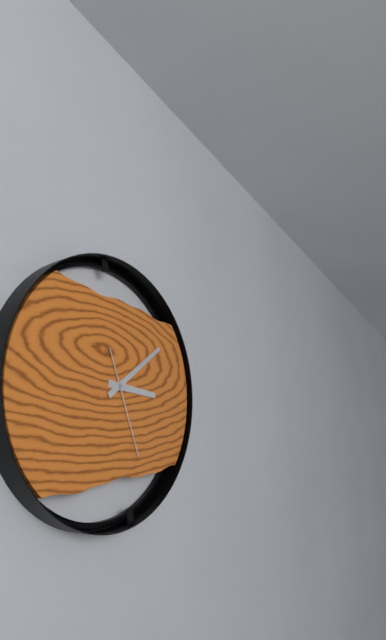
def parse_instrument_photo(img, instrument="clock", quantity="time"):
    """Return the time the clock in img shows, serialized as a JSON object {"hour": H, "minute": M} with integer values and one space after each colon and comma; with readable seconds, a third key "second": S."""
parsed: {"hour": 3, "minute": 9, "second": 26}
